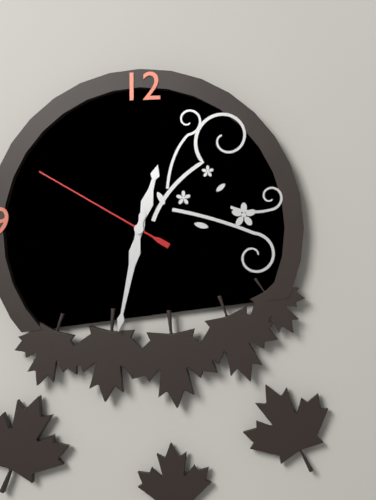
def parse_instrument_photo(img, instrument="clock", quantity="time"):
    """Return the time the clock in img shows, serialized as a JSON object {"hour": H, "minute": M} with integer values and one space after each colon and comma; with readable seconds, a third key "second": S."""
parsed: {"hour": 12, "minute": 32, "second": 50}
